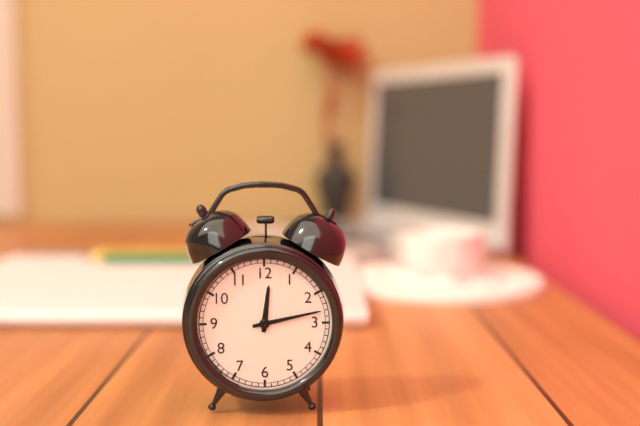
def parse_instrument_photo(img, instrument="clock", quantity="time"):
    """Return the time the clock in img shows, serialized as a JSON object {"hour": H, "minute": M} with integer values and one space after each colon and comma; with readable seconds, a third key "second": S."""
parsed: {"hour": 12, "minute": 13}
